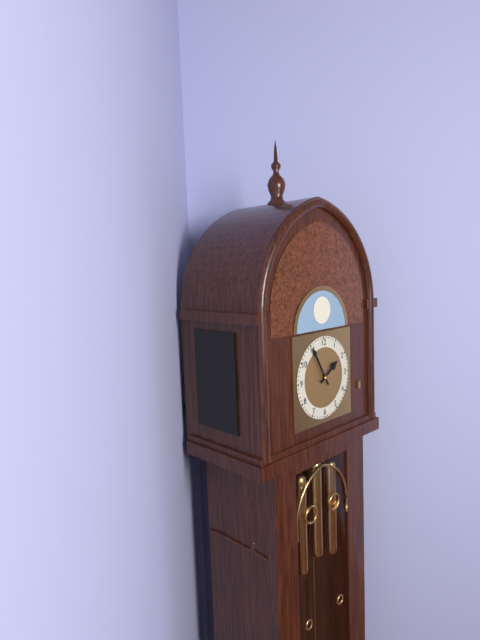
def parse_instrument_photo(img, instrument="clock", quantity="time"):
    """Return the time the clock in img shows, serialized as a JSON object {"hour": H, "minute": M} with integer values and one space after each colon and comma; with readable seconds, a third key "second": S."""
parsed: {"hour": 1, "minute": 55}
